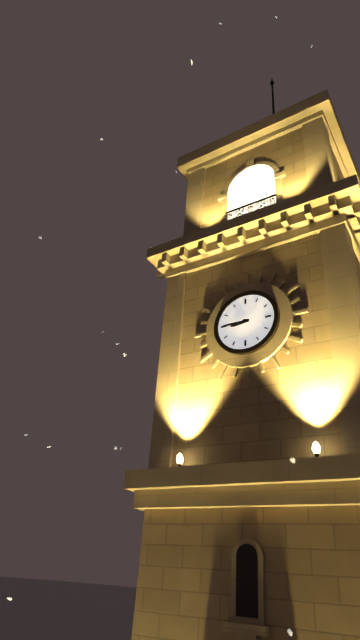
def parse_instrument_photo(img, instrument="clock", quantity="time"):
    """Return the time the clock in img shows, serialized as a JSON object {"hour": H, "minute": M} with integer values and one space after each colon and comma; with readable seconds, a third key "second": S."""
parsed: {"hour": 8, "minute": 45}
